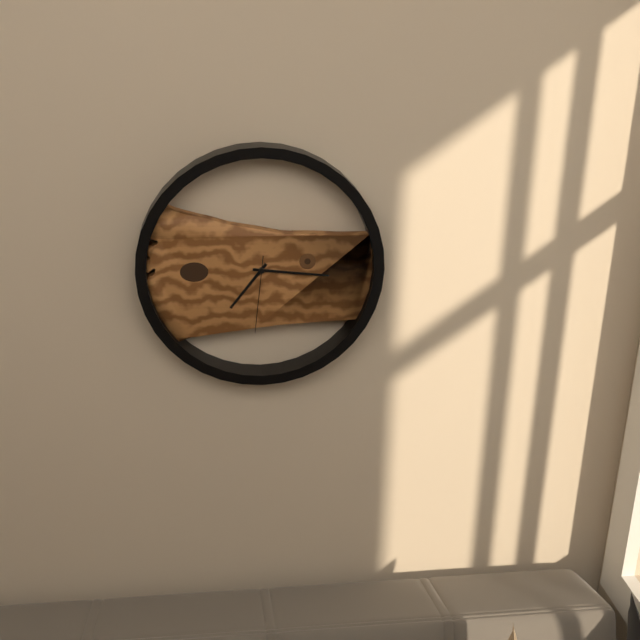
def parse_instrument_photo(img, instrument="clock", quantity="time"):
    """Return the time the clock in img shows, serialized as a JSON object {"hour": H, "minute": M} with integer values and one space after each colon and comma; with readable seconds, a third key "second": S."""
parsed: {"hour": 7, "minute": 16, "second": 31}
